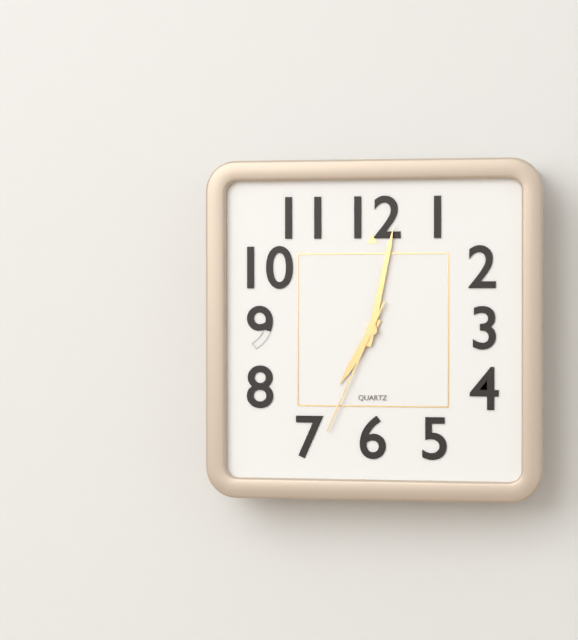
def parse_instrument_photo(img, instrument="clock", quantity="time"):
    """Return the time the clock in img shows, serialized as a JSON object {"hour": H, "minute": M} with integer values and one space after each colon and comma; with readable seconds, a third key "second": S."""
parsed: {"hour": 7, "minute": 2, "second": 34}
